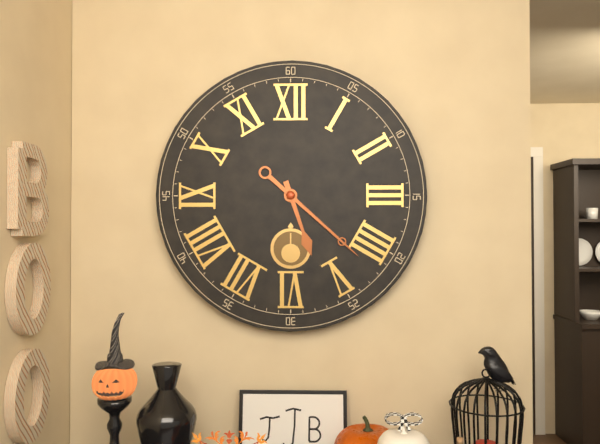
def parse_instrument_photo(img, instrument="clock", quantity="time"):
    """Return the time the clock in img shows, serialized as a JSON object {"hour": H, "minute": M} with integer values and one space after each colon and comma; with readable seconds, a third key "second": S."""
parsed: {"hour": 5, "minute": 22}
